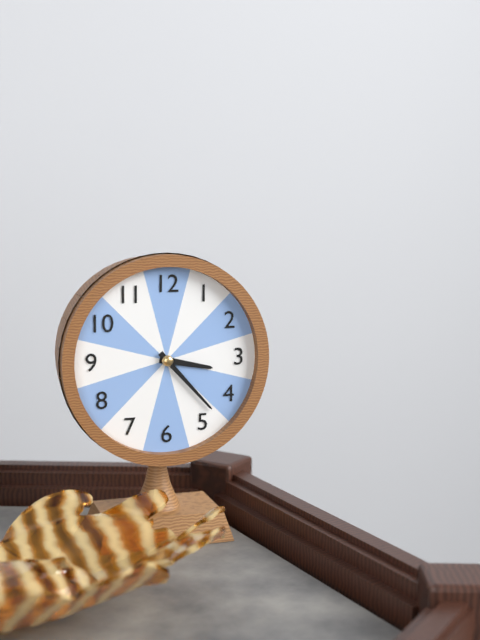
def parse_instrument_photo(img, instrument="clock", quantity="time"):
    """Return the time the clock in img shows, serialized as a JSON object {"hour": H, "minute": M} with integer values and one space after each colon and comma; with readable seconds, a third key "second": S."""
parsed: {"hour": 3, "minute": 23}
